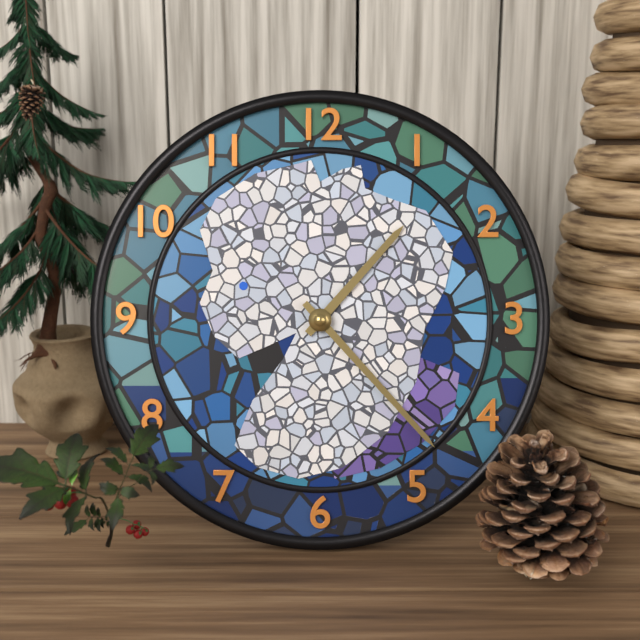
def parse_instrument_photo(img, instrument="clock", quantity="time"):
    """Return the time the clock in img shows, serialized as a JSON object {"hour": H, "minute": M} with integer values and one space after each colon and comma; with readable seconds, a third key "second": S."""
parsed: {"hour": 1, "minute": 23}
